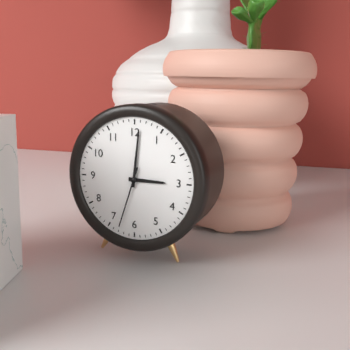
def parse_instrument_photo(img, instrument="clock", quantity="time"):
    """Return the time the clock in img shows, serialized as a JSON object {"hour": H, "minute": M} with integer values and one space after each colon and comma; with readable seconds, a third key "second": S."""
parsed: {"hour": 3, "minute": 1, "second": 33}
